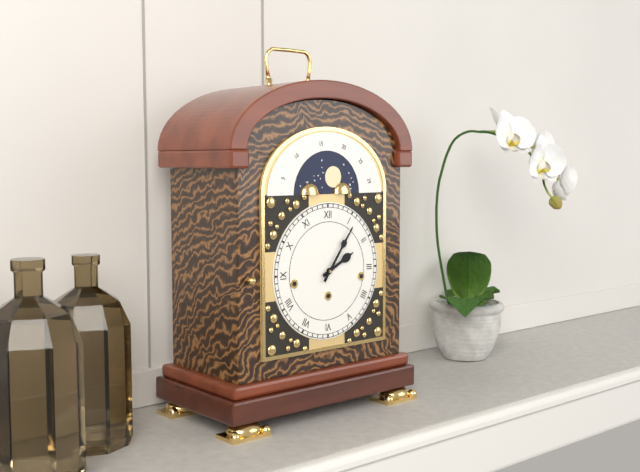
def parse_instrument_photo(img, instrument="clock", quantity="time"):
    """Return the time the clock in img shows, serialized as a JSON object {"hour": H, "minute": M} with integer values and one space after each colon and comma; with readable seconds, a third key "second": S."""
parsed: {"hour": 2, "minute": 6}
